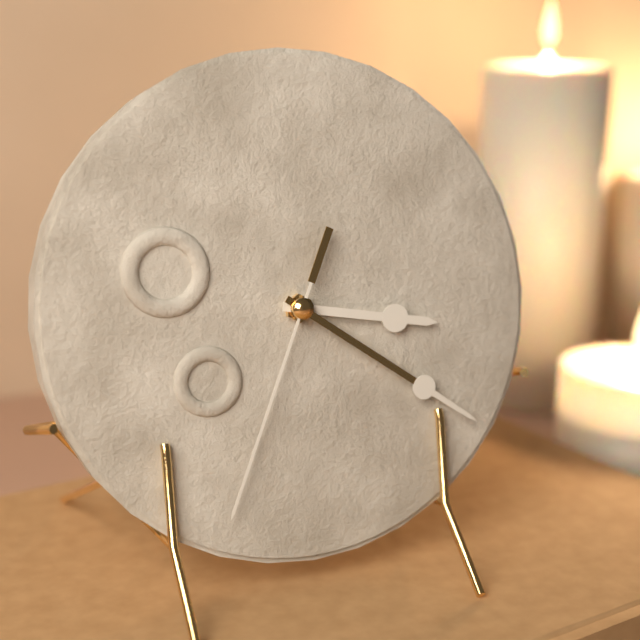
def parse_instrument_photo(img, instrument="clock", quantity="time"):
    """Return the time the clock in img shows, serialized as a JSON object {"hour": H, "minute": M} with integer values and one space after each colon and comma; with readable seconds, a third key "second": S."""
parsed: {"hour": 3, "minute": 21, "second": 34}
